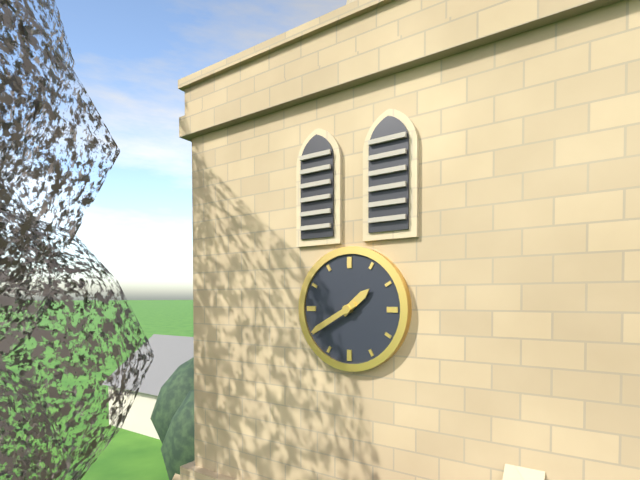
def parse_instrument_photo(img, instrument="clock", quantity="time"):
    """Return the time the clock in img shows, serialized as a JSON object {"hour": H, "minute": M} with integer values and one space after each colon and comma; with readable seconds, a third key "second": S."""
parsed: {"hour": 1, "minute": 40}
